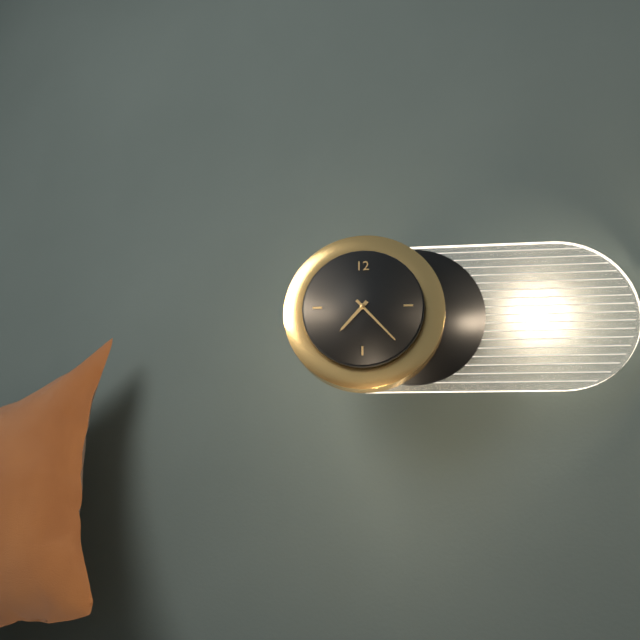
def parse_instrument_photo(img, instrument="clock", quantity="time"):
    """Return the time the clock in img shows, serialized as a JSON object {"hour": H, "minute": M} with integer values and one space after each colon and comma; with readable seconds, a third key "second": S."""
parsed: {"hour": 7, "minute": 23}
